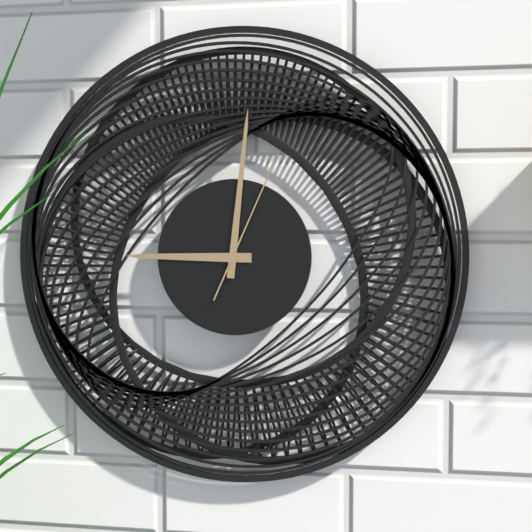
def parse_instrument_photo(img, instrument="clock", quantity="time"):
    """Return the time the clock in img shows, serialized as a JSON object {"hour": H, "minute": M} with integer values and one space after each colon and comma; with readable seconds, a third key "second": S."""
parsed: {"hour": 9, "minute": 1, "second": 4}
